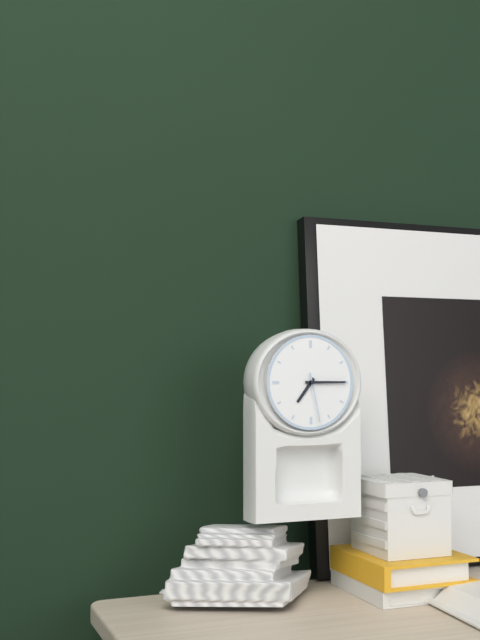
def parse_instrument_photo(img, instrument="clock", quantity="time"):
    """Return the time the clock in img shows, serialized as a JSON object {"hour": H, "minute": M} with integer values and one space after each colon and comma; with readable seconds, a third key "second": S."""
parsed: {"hour": 7, "minute": 15, "second": 28}
